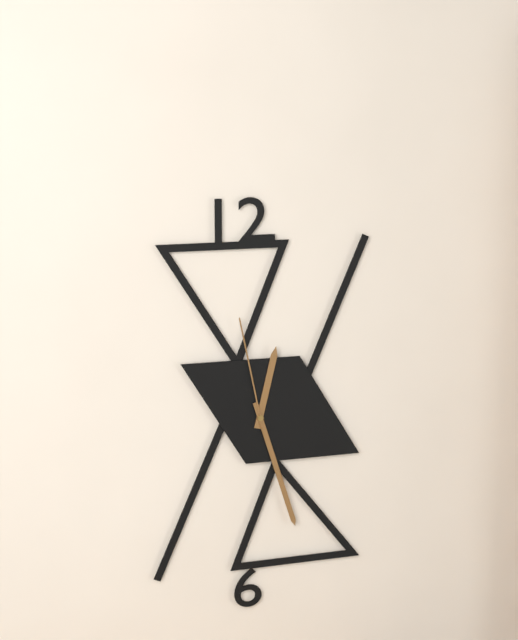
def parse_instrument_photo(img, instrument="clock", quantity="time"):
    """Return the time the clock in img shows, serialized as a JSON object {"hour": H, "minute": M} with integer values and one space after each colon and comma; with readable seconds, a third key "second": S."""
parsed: {"hour": 12, "minute": 27, "second": 58}
